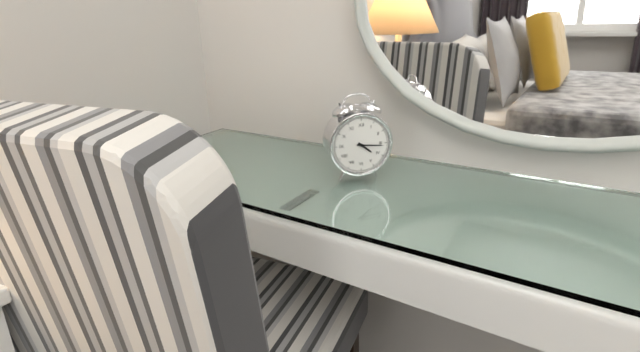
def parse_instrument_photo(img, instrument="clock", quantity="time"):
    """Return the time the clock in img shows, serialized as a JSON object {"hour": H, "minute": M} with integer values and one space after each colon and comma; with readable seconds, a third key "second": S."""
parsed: {"hour": 4, "minute": 16}
